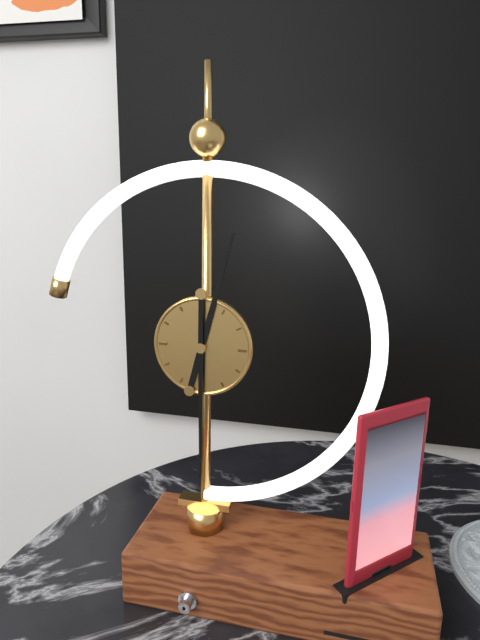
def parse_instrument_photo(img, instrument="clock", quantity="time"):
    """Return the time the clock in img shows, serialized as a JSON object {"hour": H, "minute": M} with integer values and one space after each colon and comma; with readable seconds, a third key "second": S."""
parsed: {"hour": 12, "minute": 30}
